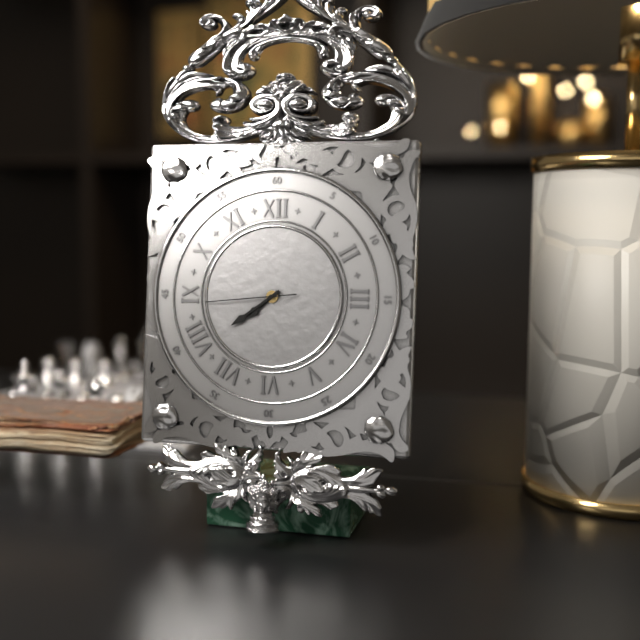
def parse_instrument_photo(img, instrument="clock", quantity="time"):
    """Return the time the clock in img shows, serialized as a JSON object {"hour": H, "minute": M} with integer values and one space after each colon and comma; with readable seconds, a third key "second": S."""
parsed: {"hour": 7, "minute": 39, "second": 44}
